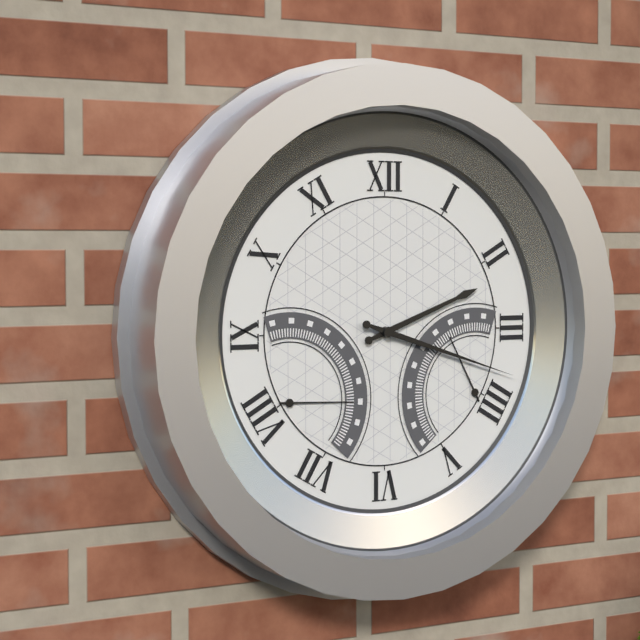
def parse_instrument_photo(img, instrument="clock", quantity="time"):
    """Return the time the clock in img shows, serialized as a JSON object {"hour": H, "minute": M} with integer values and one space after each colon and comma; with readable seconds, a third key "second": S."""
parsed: {"hour": 2, "minute": 18}
